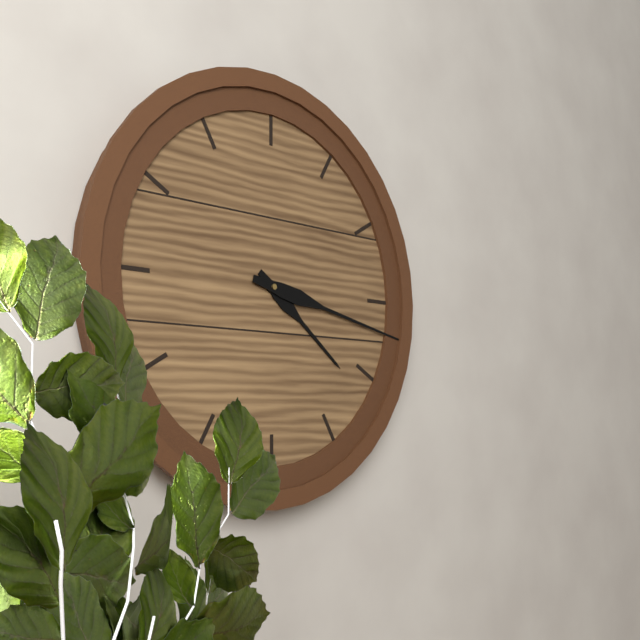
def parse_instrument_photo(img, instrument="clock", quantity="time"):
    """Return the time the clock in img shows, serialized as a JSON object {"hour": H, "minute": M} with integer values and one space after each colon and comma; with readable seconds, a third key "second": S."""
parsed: {"hour": 4, "minute": 17}
